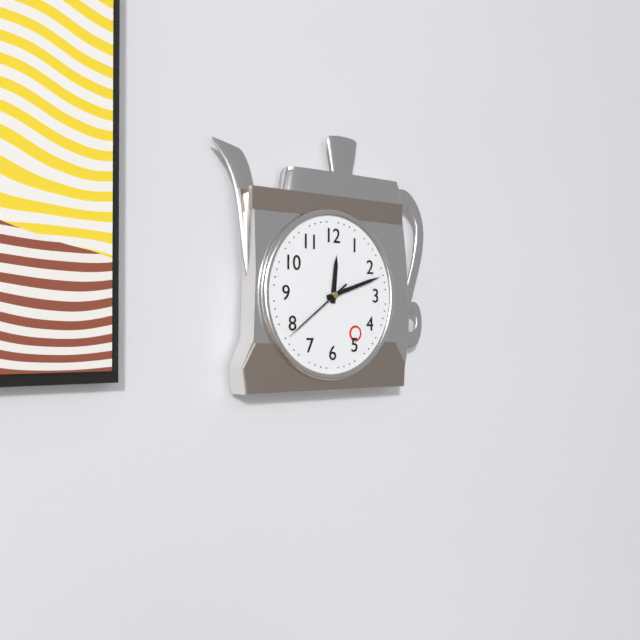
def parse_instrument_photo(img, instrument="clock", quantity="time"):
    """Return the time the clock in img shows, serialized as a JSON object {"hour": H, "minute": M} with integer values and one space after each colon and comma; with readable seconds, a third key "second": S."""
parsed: {"hour": 12, "minute": 12, "second": 39}
